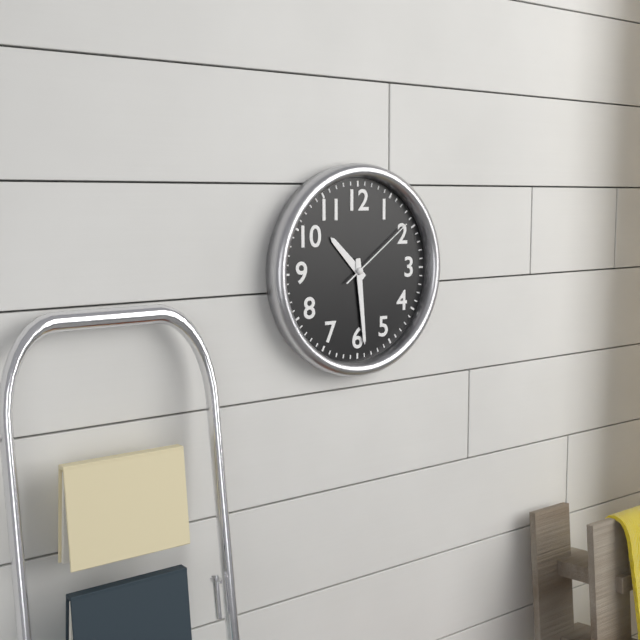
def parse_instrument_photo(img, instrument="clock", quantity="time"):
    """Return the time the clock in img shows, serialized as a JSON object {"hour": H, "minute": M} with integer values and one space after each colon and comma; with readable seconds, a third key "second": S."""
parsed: {"hour": 10, "minute": 29, "second": 9}
